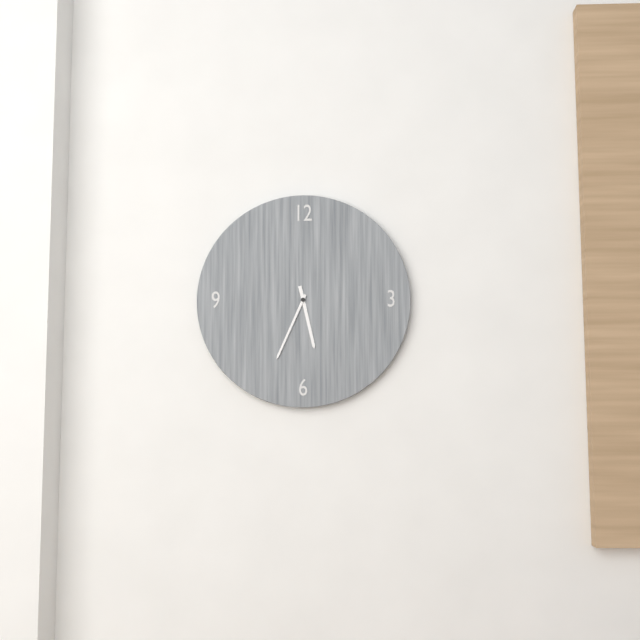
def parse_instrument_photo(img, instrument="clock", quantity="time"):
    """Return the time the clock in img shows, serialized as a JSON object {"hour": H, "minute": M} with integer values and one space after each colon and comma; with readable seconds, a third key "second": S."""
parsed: {"hour": 5, "minute": 34}
